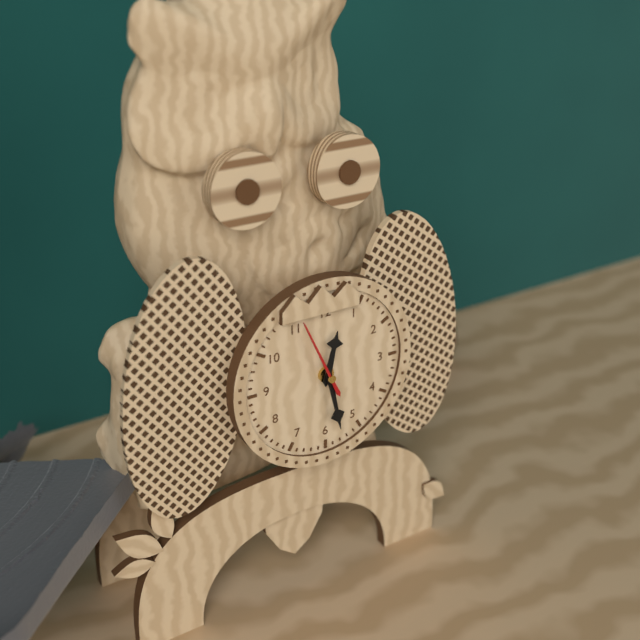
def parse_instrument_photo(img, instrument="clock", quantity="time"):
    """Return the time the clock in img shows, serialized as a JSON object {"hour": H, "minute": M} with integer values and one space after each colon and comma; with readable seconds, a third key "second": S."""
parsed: {"hour": 12, "minute": 28, "second": 56}
